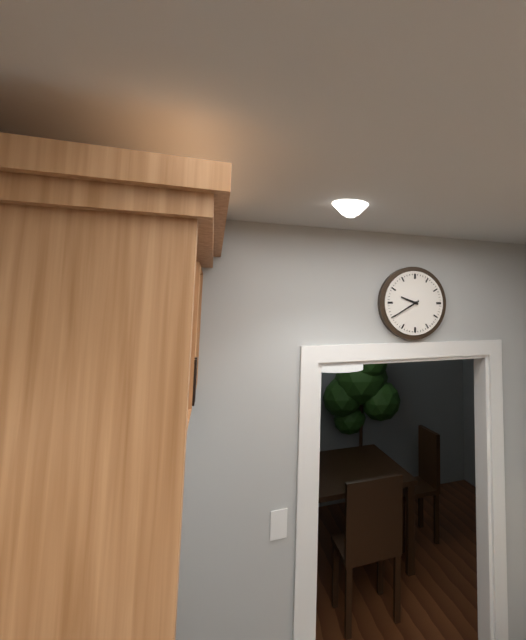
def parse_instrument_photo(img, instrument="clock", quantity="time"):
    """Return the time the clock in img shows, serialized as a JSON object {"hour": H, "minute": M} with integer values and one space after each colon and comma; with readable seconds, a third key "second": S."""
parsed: {"hour": 9, "minute": 40}
